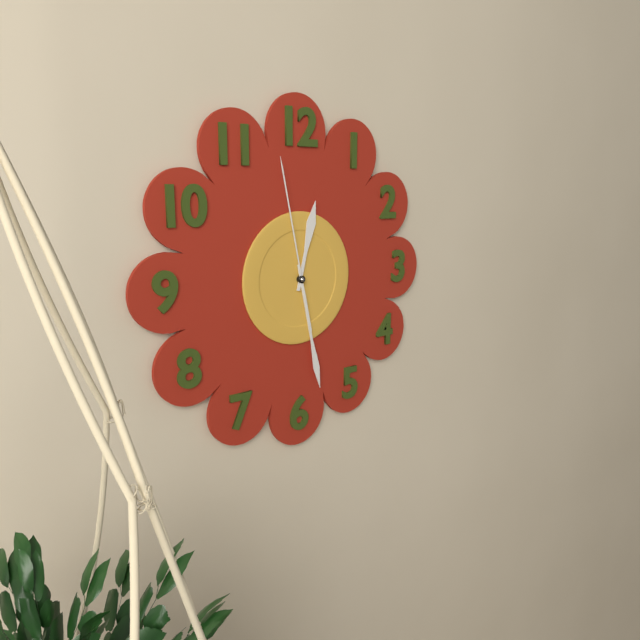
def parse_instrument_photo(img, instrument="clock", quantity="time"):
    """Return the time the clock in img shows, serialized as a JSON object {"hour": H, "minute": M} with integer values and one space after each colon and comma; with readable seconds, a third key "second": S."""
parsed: {"hour": 12, "minute": 28, "second": 58}
